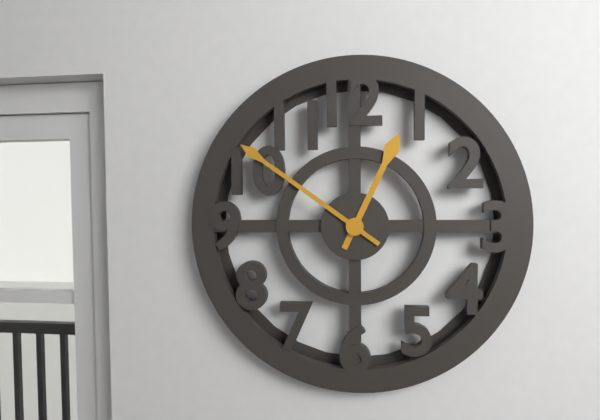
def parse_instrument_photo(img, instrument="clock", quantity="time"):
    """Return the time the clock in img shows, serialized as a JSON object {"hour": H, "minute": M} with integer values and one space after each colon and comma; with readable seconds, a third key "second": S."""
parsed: {"hour": 12, "minute": 51}
